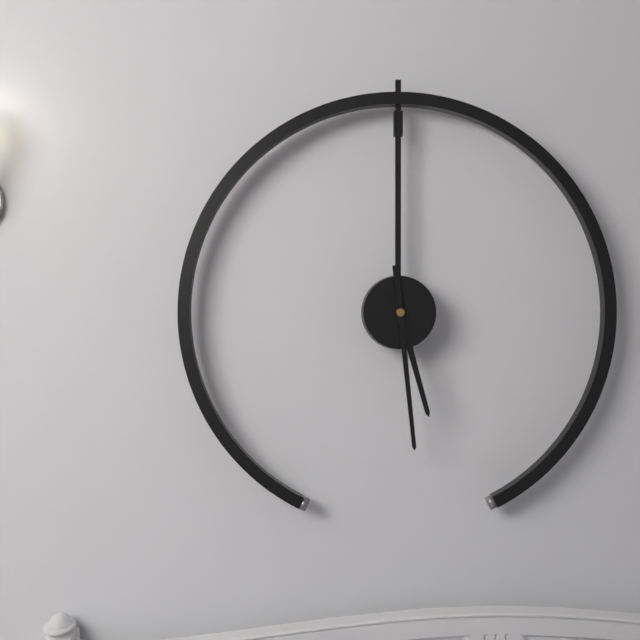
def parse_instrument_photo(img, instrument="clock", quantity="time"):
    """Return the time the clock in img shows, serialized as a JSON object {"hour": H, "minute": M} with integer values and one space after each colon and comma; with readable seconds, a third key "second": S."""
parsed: {"hour": 5, "minute": 29}
